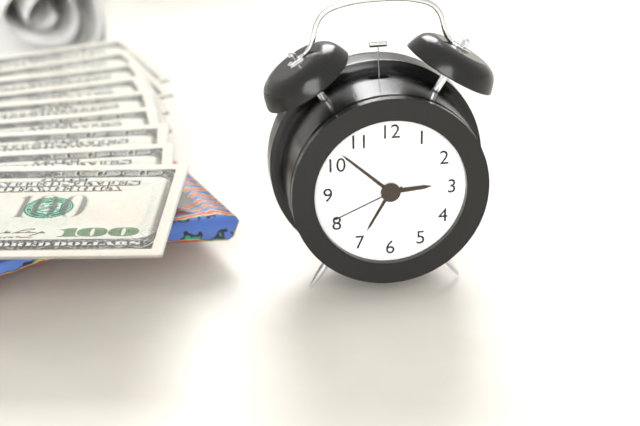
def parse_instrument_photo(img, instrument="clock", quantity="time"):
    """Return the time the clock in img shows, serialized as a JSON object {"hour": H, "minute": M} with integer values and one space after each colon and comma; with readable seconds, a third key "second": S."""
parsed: {"hour": 2, "minute": 52, "second": 41}
